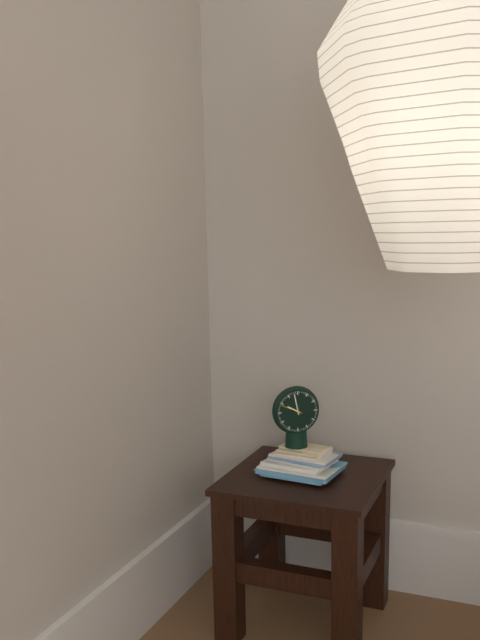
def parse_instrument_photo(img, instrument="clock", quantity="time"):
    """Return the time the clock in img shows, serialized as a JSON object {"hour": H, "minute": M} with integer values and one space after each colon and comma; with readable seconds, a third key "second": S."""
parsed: {"hour": 9, "minute": 58}
